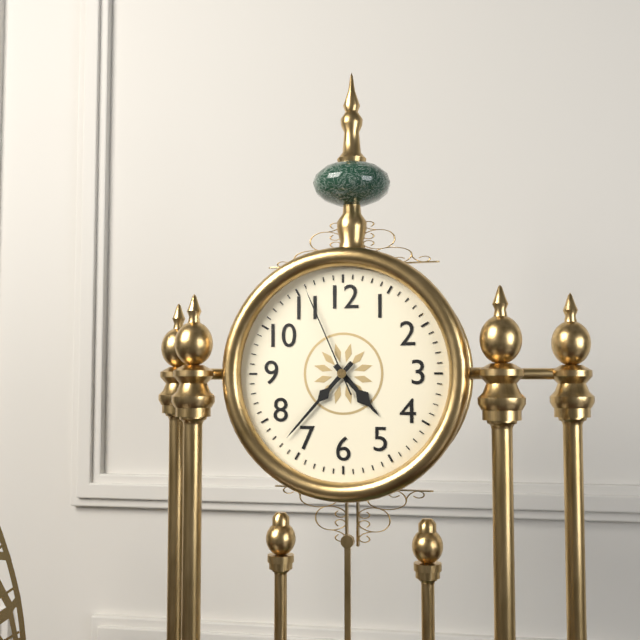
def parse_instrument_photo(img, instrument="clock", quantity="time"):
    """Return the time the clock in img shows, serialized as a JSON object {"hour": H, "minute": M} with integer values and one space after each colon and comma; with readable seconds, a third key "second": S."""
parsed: {"hour": 4, "minute": 37, "second": 56}
